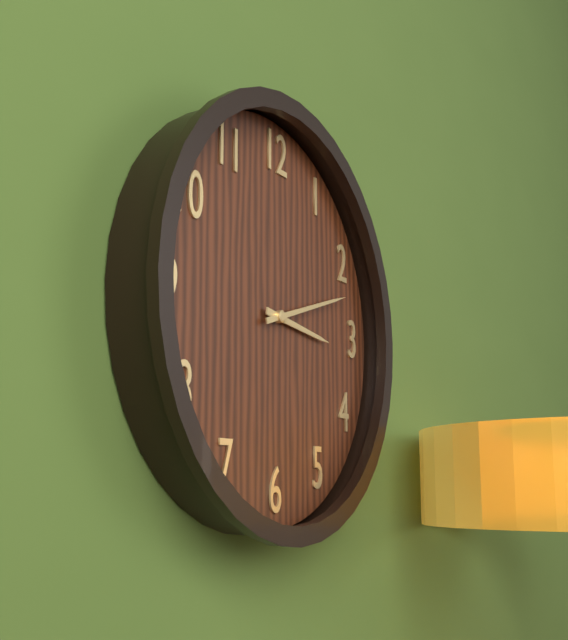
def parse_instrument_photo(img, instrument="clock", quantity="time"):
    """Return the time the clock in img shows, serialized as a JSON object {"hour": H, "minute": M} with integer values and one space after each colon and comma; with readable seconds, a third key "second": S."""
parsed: {"hour": 3, "minute": 12}
